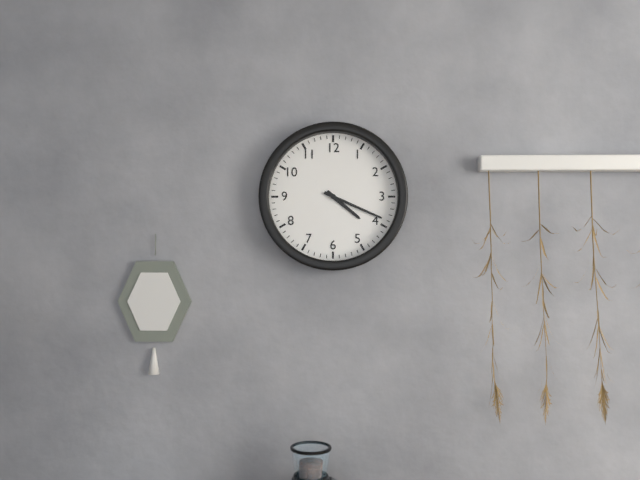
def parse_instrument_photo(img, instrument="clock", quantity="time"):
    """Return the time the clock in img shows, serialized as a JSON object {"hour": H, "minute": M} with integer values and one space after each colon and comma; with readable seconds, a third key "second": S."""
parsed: {"hour": 4, "minute": 19}
